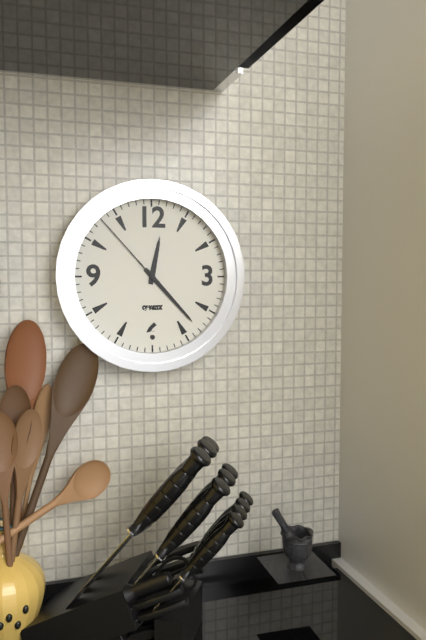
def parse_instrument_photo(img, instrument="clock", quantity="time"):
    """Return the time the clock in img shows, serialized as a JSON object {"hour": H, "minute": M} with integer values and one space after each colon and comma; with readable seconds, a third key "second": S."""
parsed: {"hour": 12, "minute": 23, "second": 53}
